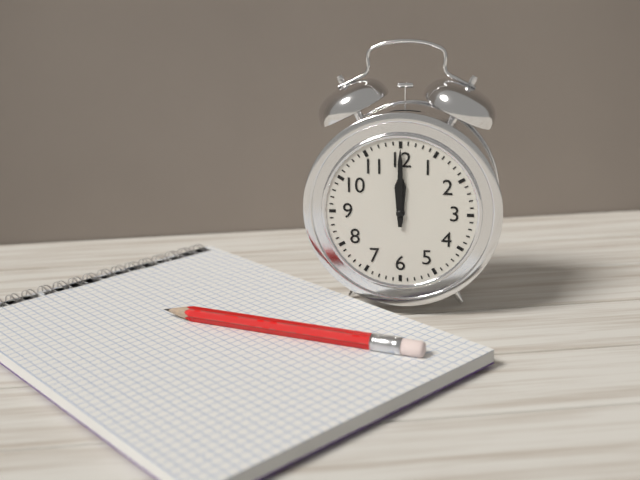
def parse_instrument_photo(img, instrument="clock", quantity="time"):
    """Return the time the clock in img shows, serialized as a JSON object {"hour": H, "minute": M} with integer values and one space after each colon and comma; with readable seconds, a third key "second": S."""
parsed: {"hour": 12, "minute": 0}
